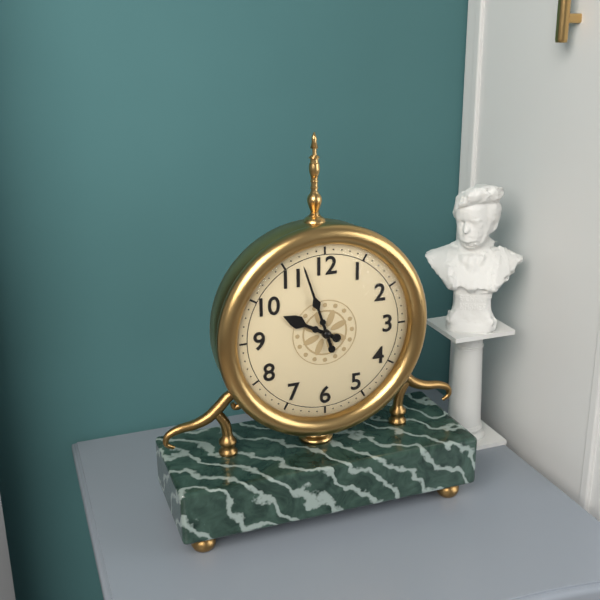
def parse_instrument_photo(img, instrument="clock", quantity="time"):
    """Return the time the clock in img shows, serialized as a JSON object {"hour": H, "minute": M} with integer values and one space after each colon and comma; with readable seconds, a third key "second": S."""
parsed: {"hour": 9, "minute": 57}
